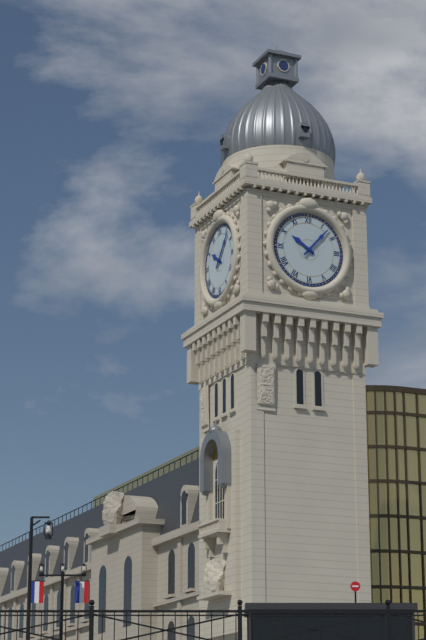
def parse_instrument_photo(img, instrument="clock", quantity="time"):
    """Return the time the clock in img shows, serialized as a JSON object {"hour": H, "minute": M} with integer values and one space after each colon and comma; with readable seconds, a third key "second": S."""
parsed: {"hour": 10, "minute": 7}
